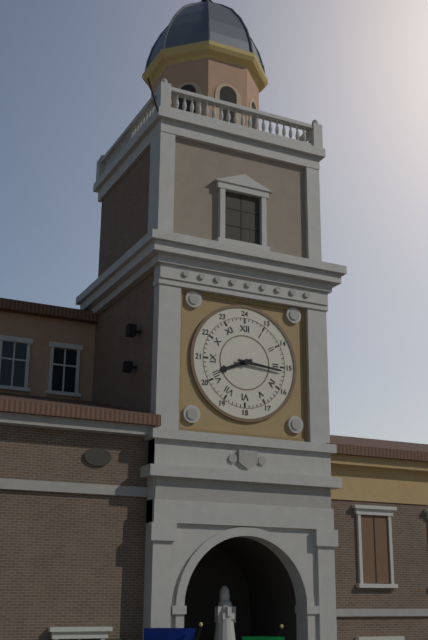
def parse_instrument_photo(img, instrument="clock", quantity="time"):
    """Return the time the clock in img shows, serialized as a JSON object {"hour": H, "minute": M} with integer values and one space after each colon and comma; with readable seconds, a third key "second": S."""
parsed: {"hour": 8, "minute": 16}
